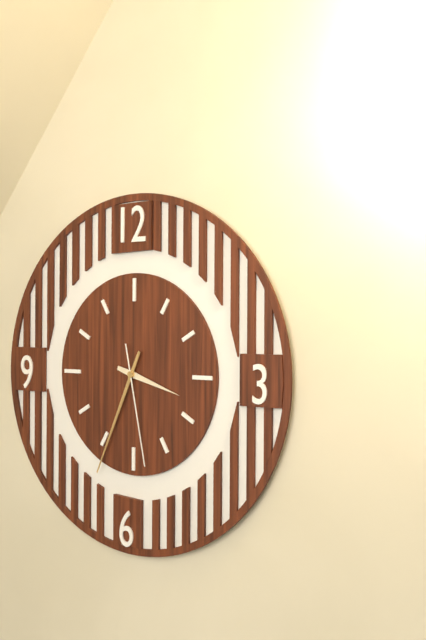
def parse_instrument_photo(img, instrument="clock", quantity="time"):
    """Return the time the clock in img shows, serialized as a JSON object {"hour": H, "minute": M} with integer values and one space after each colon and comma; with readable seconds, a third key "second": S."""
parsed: {"hour": 3, "minute": 34, "second": 28}
